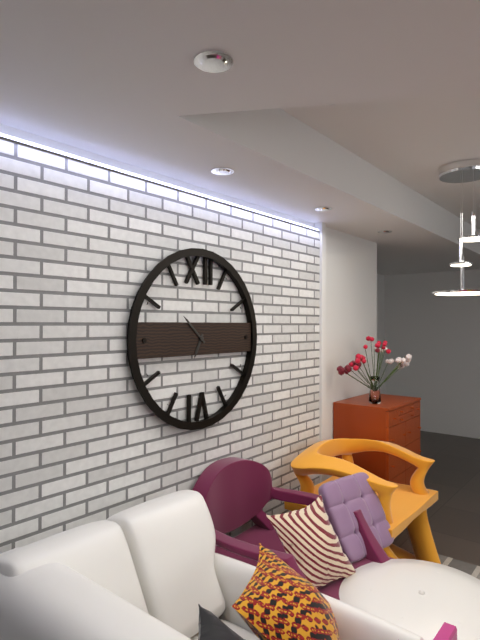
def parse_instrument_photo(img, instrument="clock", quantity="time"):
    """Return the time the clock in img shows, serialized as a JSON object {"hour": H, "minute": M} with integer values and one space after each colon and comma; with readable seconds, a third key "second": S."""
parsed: {"hour": 6, "minute": 52}
